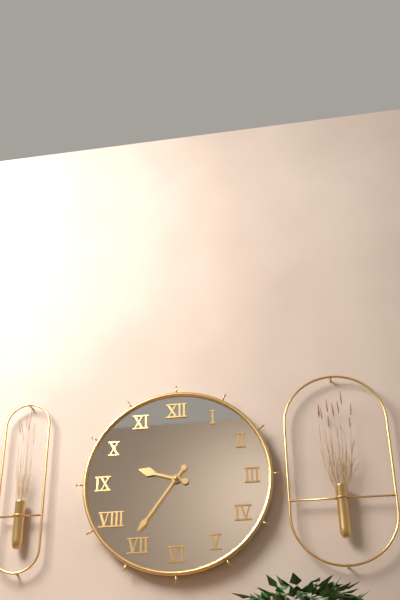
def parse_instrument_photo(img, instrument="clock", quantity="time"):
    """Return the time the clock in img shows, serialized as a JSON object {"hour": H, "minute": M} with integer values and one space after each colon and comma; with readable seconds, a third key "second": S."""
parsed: {"hour": 9, "minute": 36}
